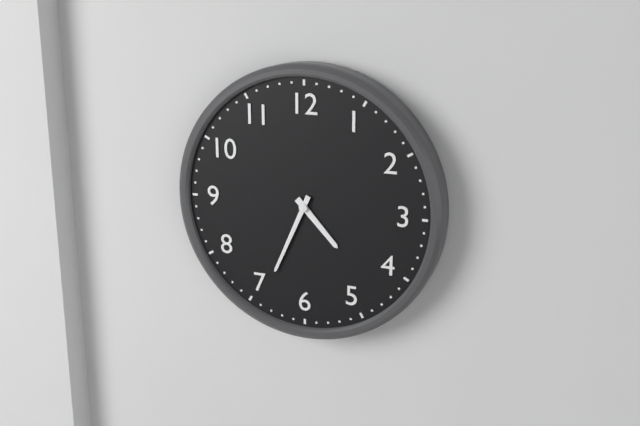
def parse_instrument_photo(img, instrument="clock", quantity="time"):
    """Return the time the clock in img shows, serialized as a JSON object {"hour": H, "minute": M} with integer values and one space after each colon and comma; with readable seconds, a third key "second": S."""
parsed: {"hour": 4, "minute": 34}
